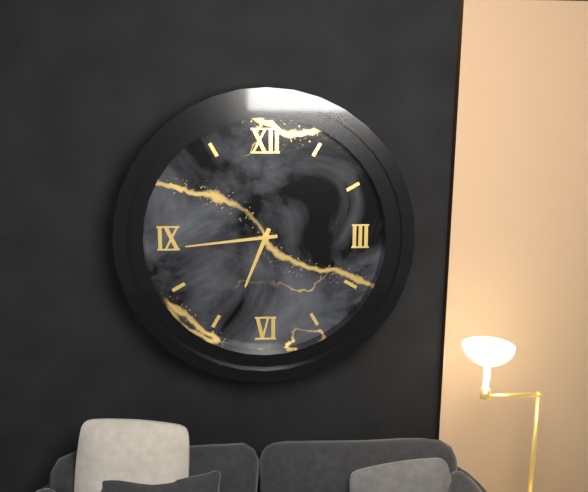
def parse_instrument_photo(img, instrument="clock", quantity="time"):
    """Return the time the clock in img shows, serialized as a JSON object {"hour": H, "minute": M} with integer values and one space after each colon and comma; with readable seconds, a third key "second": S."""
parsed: {"hour": 6, "minute": 44}
